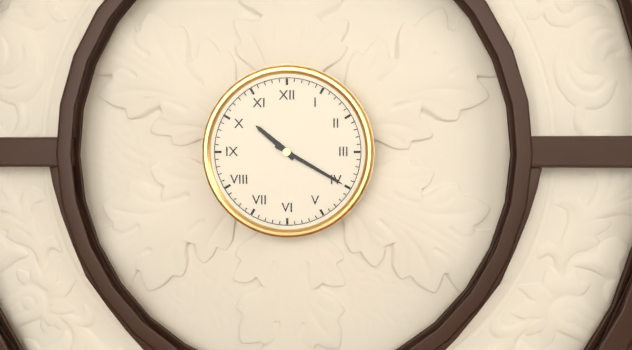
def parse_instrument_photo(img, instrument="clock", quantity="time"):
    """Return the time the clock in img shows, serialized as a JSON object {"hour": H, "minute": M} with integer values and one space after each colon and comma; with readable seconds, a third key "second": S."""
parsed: {"hour": 10, "minute": 20}
